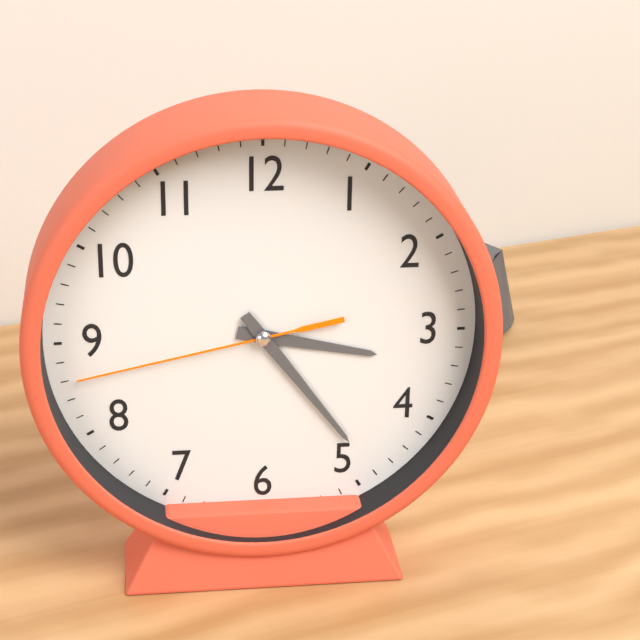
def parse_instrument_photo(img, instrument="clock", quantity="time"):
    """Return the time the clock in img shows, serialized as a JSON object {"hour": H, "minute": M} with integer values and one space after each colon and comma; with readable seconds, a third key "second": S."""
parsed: {"hour": 3, "minute": 24, "second": 43}
